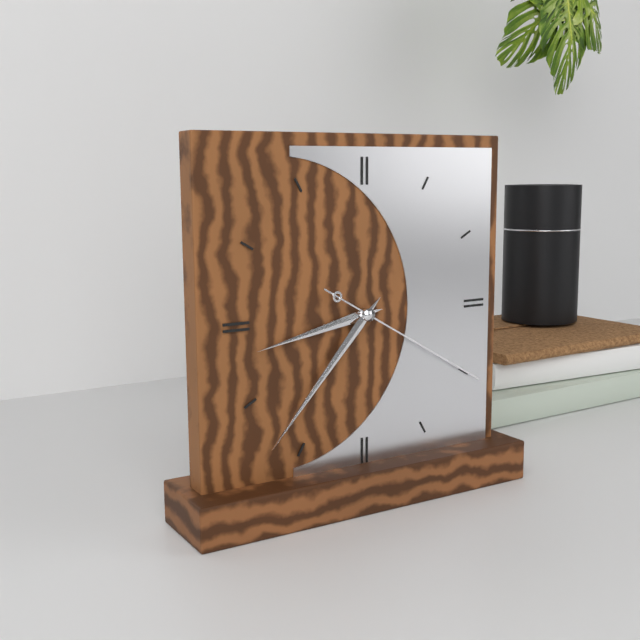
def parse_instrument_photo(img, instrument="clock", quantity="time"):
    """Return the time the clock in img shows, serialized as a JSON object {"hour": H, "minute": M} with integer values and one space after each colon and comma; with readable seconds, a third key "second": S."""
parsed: {"hour": 8, "minute": 37, "second": 20}
